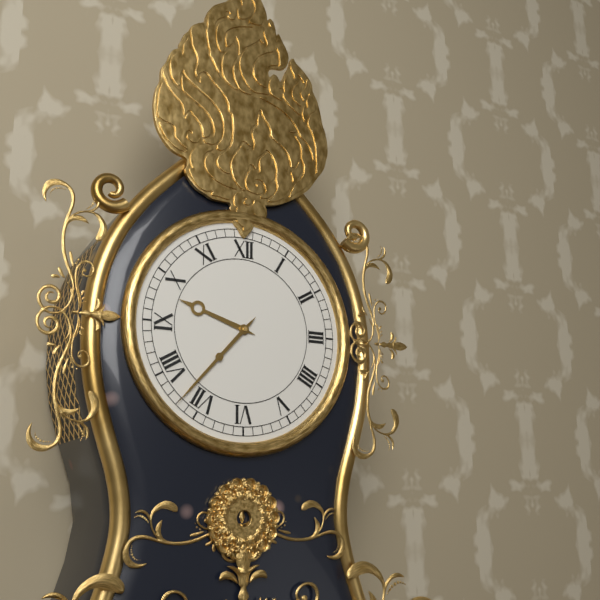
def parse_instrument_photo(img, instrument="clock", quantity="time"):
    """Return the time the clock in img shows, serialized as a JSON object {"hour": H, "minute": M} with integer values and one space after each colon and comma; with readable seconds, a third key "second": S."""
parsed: {"hour": 9, "minute": 37}
